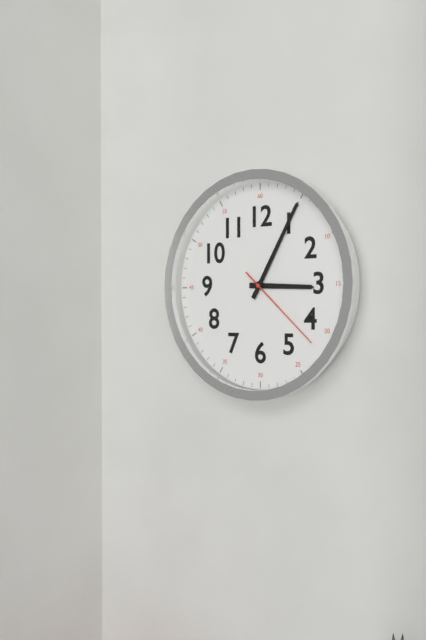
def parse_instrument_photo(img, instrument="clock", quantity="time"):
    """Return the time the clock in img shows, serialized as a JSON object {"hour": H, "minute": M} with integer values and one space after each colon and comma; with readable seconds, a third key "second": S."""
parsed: {"hour": 3, "minute": 5, "second": 22}
